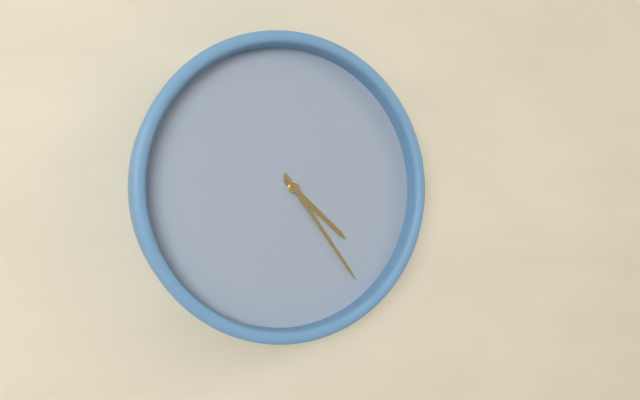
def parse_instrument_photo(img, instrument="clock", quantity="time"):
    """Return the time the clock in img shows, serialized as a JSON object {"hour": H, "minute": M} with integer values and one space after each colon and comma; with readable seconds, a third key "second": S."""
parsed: {"hour": 4, "minute": 24}
